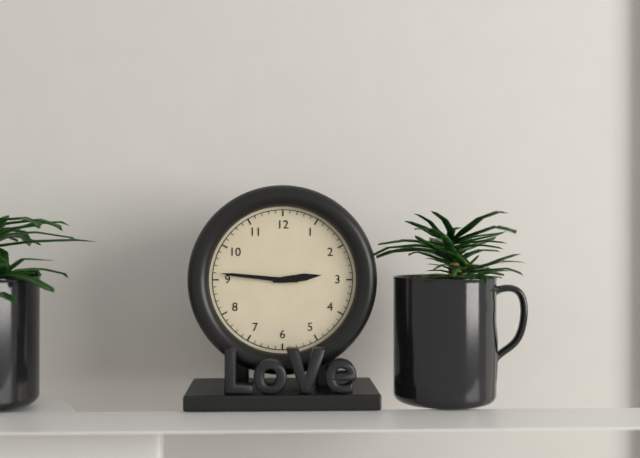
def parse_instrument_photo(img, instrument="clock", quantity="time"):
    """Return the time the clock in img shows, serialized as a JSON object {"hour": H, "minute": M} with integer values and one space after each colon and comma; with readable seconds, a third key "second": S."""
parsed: {"hour": 2, "minute": 46}
